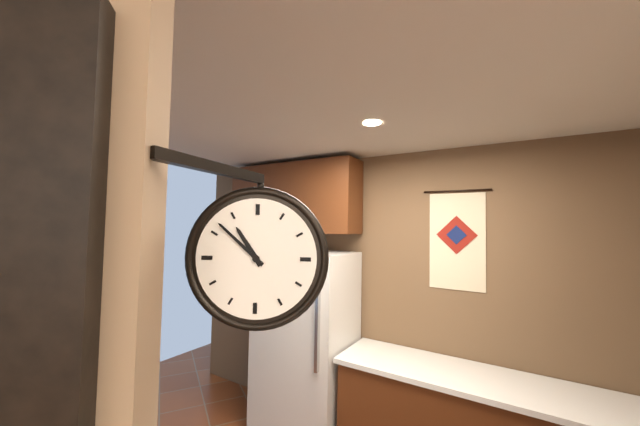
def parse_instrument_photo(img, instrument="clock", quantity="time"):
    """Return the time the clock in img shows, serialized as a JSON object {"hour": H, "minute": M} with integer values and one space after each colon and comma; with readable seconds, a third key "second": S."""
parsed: {"hour": 10, "minute": 52}
